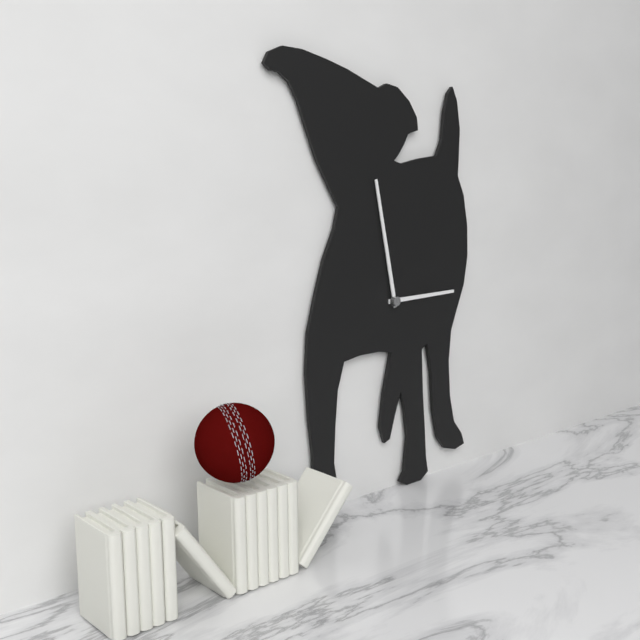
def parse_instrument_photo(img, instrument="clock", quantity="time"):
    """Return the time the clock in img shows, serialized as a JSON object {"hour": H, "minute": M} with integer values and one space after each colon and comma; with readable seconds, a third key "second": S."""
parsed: {"hour": 2, "minute": 58}
